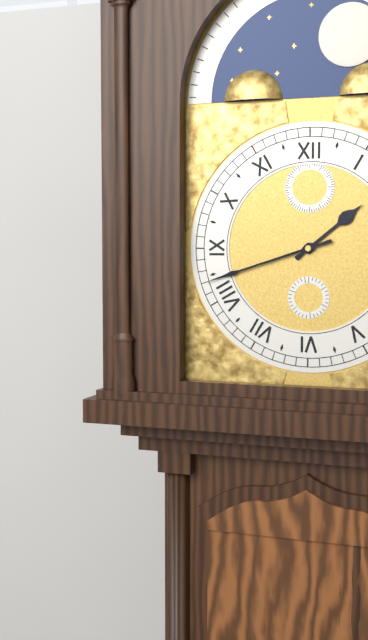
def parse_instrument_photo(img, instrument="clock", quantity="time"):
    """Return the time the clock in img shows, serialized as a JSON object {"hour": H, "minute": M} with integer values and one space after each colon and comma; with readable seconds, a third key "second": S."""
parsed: {"hour": 1, "minute": 42}
